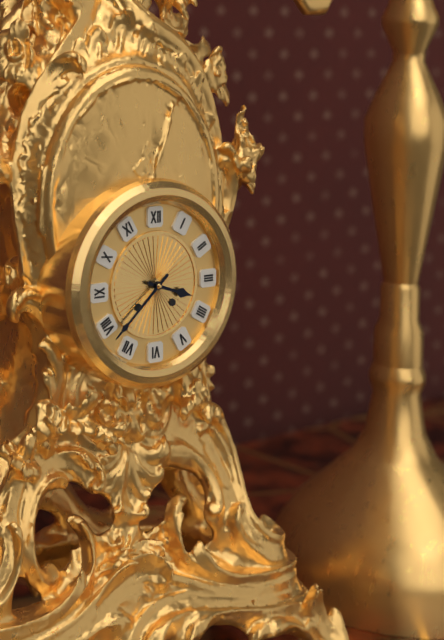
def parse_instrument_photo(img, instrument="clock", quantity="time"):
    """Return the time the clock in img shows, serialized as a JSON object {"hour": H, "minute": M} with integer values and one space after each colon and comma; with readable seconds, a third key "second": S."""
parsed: {"hour": 3, "minute": 38}
